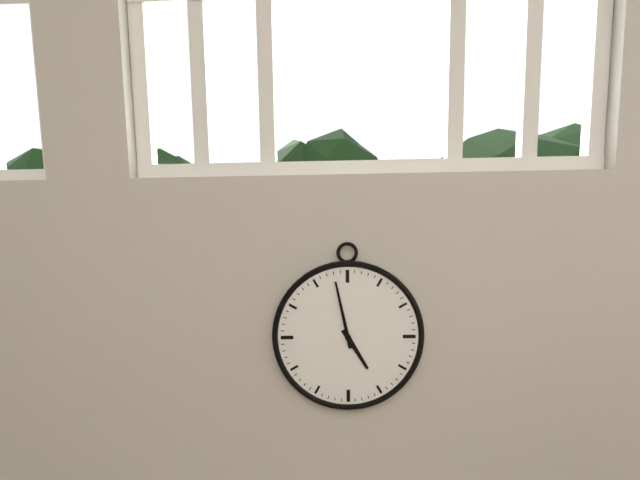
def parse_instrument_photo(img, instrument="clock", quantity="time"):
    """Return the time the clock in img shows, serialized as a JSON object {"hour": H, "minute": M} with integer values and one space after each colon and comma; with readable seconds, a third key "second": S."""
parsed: {"hour": 4, "minute": 58}
